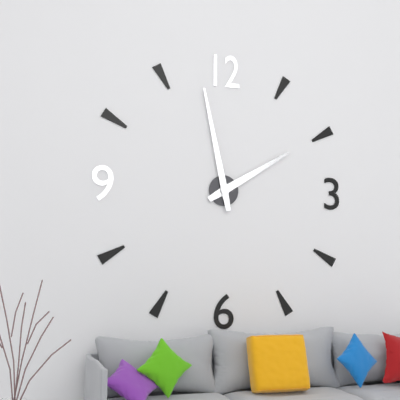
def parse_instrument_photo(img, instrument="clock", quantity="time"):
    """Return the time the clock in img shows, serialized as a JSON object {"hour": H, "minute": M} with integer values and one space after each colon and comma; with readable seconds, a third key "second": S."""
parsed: {"hour": 1, "minute": 58}
